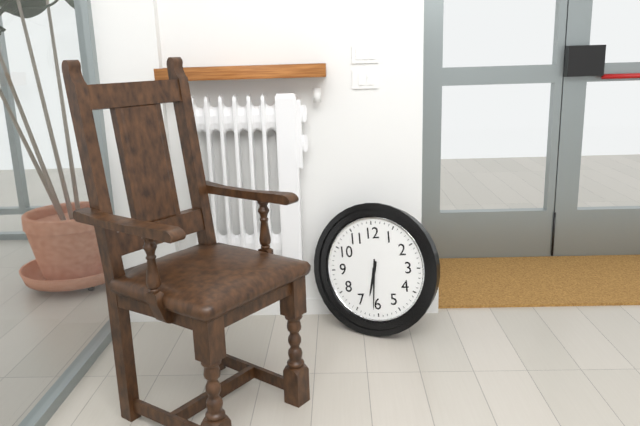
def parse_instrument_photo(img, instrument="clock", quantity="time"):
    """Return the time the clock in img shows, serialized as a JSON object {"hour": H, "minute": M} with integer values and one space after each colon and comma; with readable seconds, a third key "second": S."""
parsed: {"hour": 6, "minute": 31}
